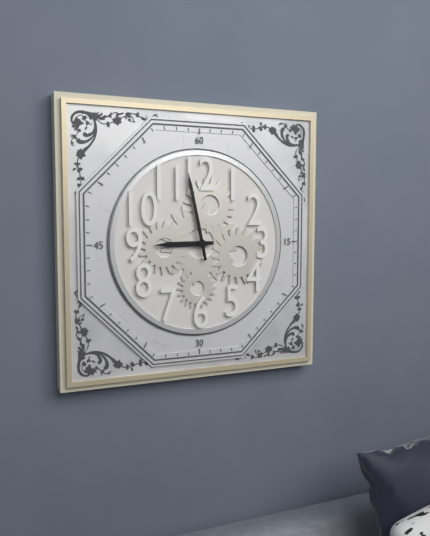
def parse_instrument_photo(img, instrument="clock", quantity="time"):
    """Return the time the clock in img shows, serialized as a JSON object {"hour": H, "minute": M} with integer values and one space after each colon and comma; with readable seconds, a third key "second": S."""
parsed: {"hour": 8, "minute": 58}
